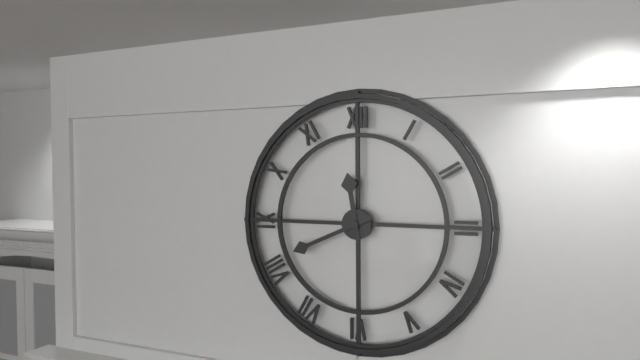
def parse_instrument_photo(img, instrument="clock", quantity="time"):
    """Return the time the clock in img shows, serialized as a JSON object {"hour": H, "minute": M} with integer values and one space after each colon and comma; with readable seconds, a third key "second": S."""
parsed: {"hour": 11, "minute": 41}
